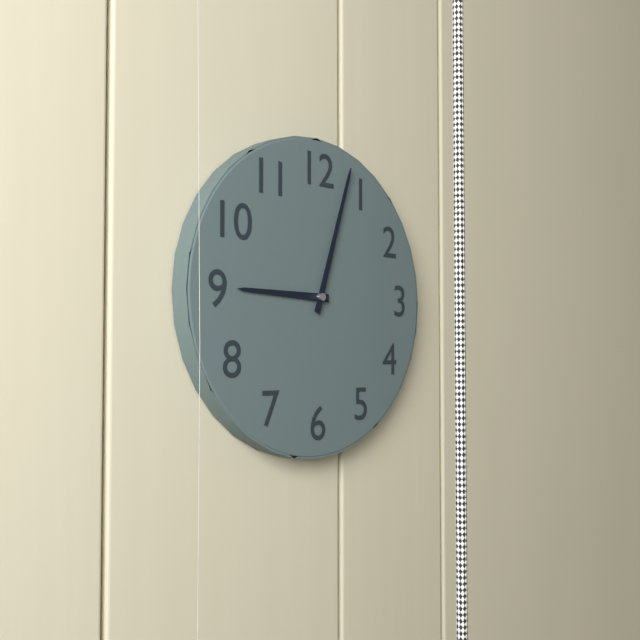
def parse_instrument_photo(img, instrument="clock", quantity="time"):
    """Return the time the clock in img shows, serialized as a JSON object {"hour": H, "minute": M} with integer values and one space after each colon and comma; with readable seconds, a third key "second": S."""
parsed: {"hour": 9, "minute": 3}
